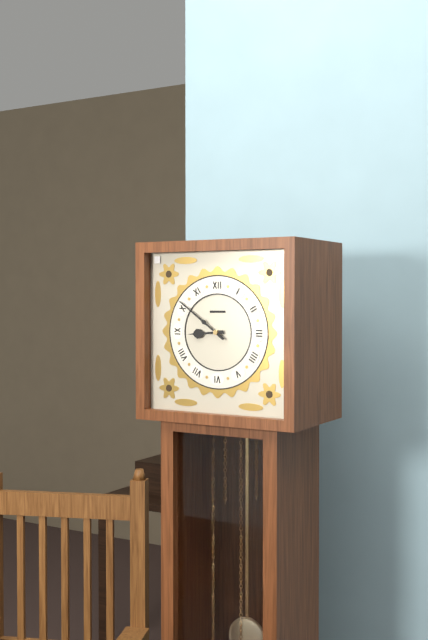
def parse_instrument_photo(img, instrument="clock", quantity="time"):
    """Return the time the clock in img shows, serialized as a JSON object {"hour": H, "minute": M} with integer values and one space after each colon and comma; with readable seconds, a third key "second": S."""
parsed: {"hour": 8, "minute": 51}
